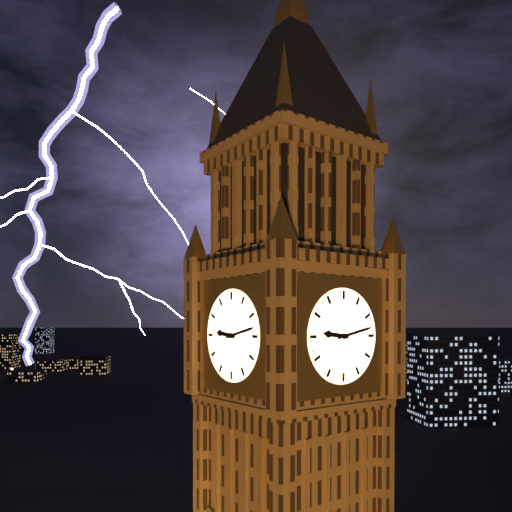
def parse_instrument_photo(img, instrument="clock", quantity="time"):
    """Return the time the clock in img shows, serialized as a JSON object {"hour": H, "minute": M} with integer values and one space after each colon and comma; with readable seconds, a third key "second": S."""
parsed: {"hour": 9, "minute": 13}
